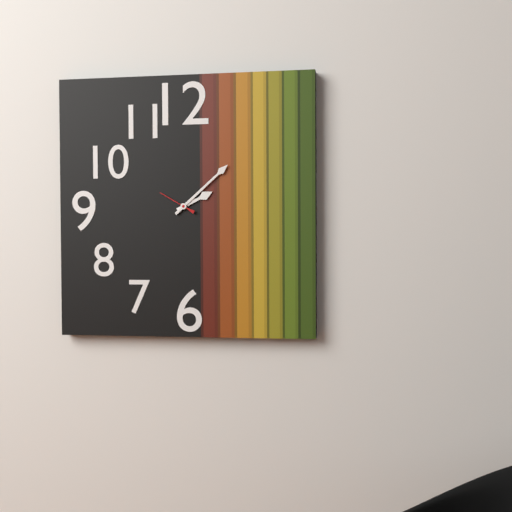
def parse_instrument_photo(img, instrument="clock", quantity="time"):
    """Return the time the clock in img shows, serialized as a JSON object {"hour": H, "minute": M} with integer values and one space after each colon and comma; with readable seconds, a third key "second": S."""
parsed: {"hour": 2, "minute": 8}
